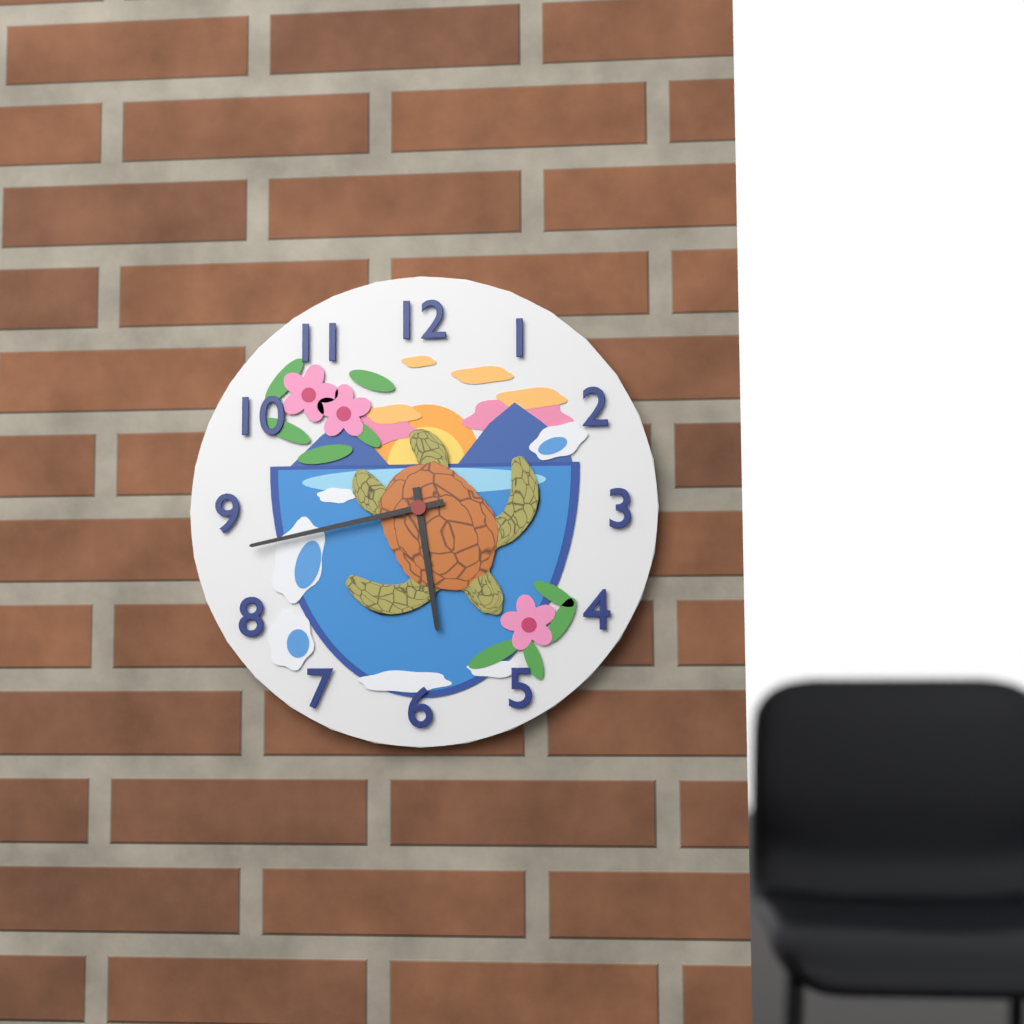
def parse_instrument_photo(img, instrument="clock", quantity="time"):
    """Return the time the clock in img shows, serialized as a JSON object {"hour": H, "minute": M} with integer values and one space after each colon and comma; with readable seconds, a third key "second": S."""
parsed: {"hour": 5, "minute": 43}
